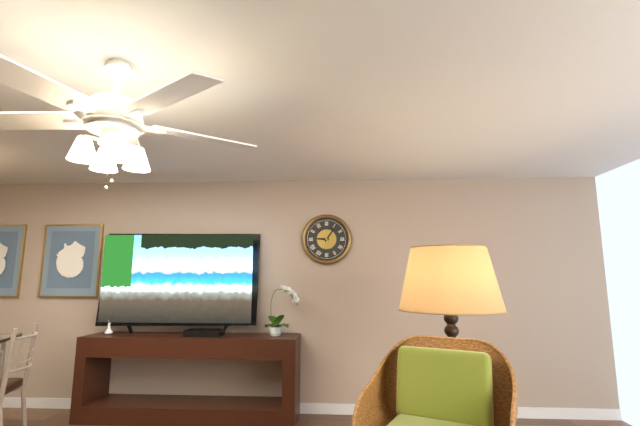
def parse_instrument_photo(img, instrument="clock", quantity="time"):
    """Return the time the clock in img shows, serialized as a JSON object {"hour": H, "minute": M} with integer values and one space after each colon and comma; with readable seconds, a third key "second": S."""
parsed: {"hour": 9, "minute": 6}
